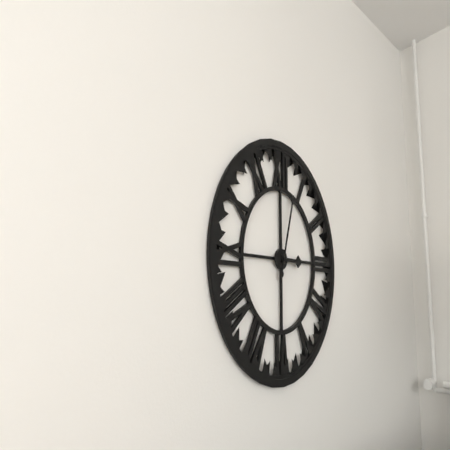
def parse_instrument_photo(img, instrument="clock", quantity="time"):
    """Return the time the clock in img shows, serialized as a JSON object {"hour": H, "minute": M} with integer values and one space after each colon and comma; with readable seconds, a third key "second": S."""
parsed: {"hour": 3, "minute": 3}
